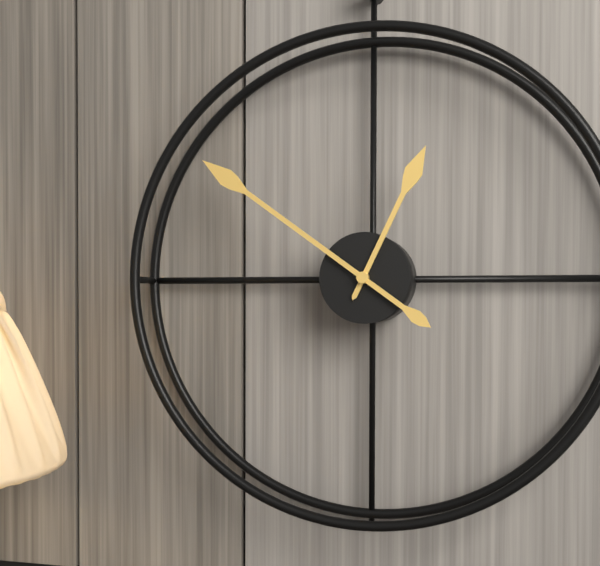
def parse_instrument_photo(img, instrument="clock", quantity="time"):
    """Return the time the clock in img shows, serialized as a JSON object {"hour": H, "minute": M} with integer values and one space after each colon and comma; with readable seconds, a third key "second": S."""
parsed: {"hour": 12, "minute": 51}
